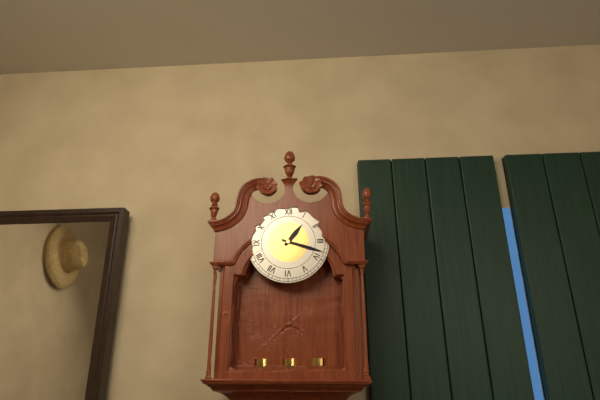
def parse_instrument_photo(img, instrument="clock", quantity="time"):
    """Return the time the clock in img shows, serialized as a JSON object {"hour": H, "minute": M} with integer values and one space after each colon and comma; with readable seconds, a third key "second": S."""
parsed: {"hour": 1, "minute": 18}
